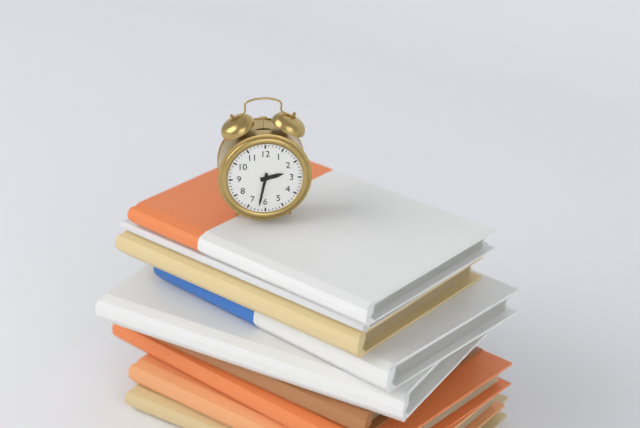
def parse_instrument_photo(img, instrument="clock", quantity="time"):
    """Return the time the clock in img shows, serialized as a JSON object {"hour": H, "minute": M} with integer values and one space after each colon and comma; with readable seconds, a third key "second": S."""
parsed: {"hour": 2, "minute": 32}
